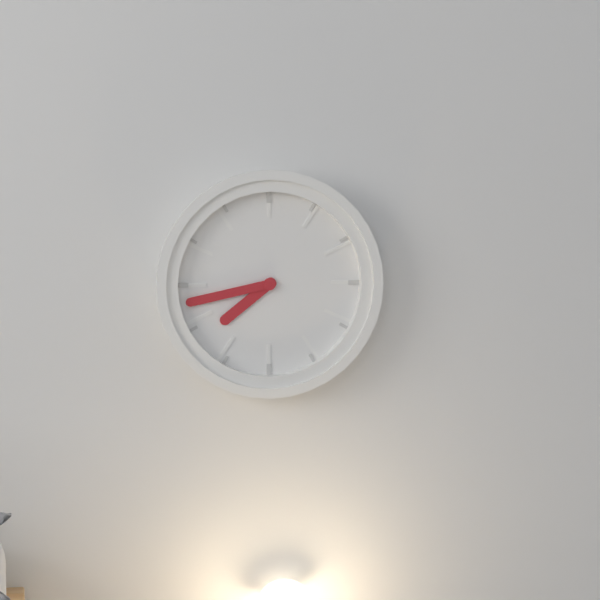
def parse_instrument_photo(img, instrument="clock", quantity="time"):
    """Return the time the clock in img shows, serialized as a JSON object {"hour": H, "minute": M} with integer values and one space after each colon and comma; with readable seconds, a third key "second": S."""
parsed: {"hour": 7, "minute": 43}
